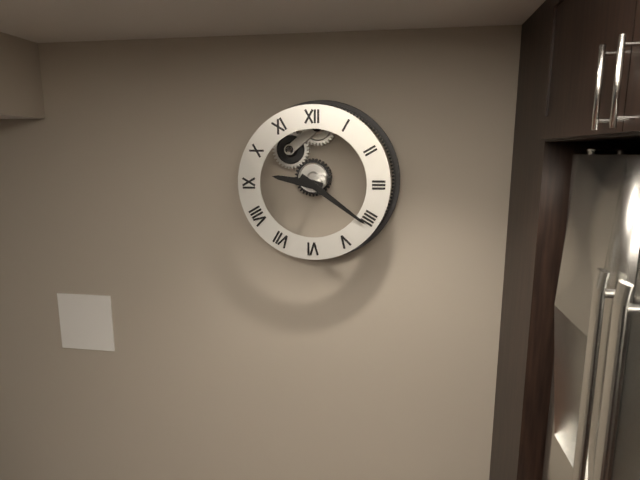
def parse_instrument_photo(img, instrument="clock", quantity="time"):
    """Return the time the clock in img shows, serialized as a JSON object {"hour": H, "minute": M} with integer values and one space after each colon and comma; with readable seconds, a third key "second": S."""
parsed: {"hour": 9, "minute": 21}
